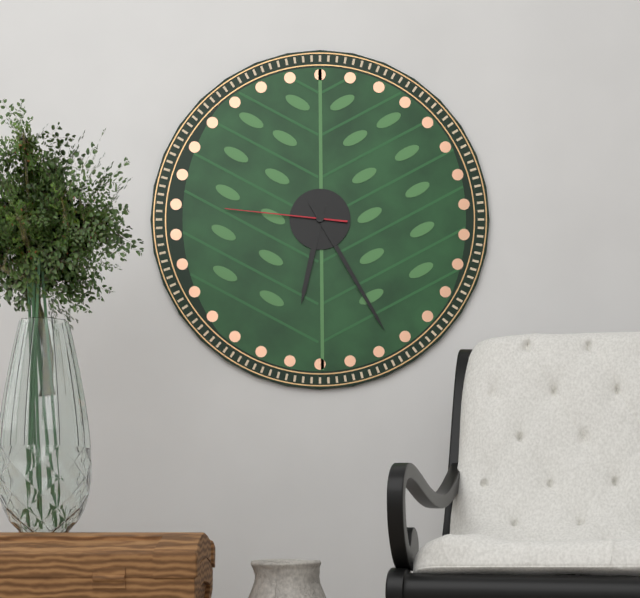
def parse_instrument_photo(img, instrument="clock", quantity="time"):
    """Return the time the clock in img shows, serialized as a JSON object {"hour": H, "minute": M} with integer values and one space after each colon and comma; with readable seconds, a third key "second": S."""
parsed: {"hour": 6, "minute": 25, "second": 46}
